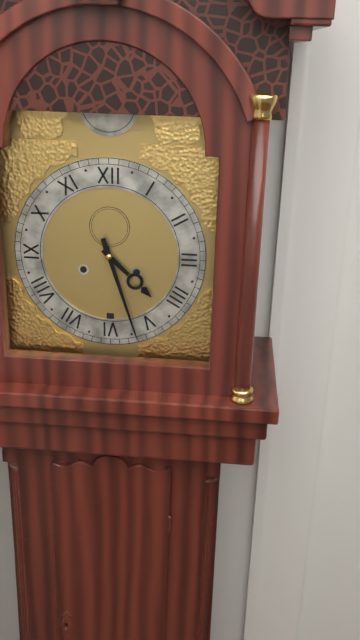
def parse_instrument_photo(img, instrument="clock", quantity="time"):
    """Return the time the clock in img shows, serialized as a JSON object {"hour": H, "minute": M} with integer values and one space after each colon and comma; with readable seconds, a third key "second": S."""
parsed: {"hour": 4, "minute": 27}
